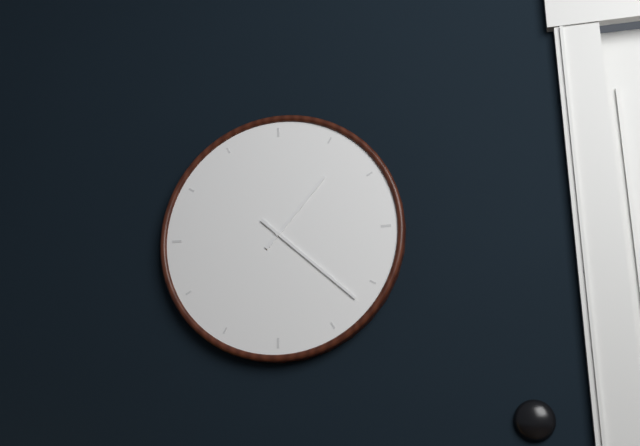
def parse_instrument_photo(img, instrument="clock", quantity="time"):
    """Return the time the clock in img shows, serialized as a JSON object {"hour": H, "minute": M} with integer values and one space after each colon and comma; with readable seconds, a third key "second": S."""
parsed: {"hour": 1, "minute": 22}
